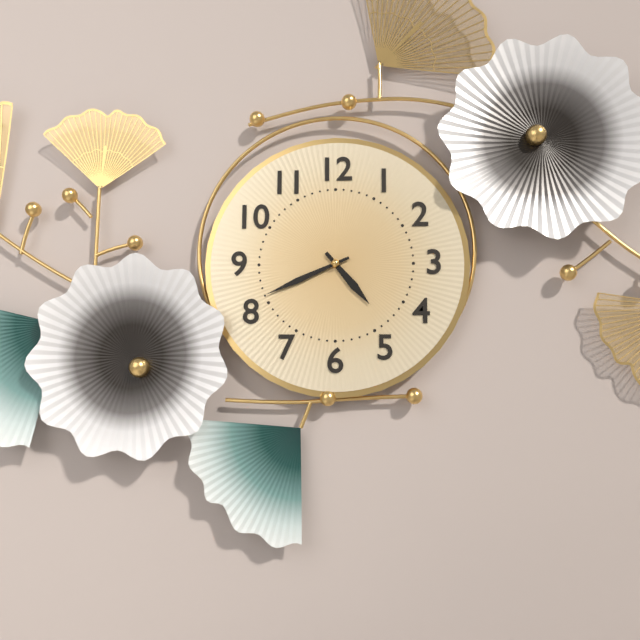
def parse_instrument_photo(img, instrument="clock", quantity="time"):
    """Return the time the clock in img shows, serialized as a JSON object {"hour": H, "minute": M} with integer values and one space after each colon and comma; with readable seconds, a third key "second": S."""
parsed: {"hour": 4, "minute": 41}
